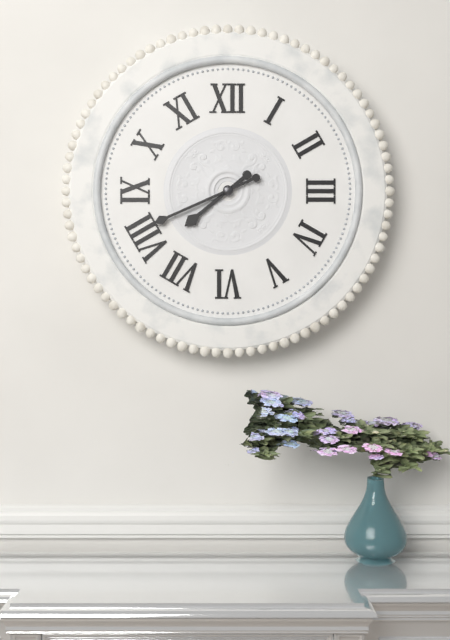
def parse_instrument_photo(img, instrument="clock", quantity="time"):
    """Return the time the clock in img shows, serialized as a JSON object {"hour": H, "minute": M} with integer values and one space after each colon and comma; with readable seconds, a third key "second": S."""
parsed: {"hour": 7, "minute": 41}
